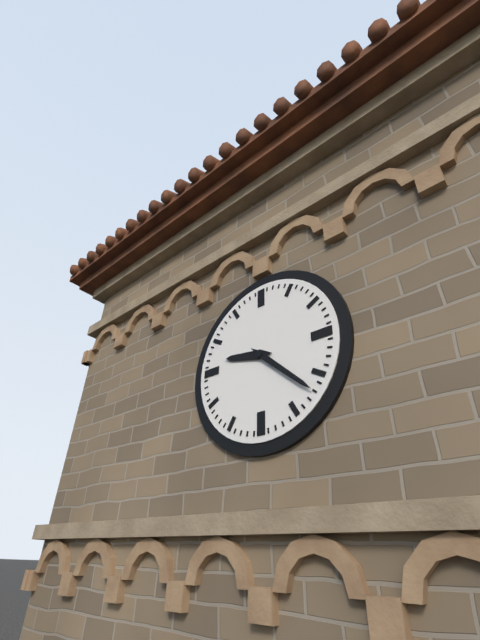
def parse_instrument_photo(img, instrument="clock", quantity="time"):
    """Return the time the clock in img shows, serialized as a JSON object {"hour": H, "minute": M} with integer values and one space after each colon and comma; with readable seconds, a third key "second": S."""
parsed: {"hour": 9, "minute": 22}
